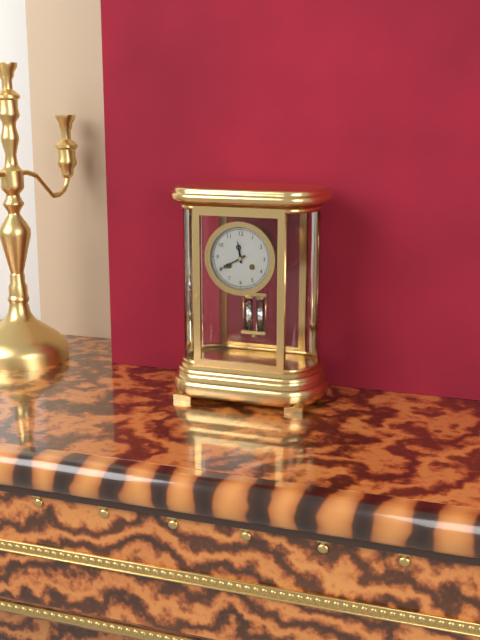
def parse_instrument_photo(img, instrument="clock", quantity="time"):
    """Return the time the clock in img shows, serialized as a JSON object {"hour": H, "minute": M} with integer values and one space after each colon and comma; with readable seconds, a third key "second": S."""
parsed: {"hour": 11, "minute": 40}
